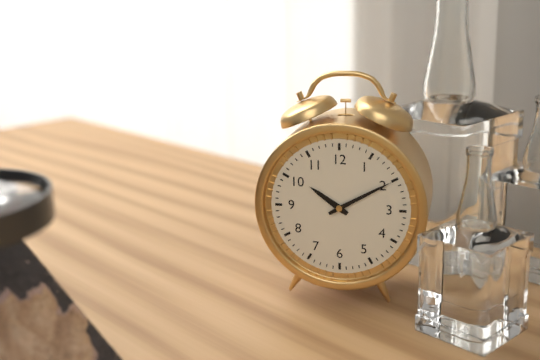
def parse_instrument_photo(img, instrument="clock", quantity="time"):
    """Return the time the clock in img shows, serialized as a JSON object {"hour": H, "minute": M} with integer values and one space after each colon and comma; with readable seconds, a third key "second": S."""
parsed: {"hour": 10, "minute": 10}
